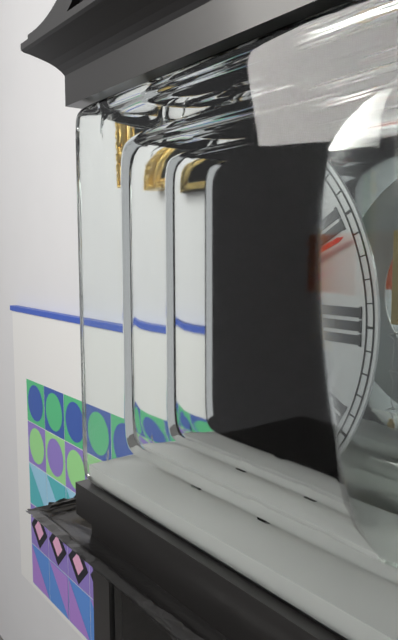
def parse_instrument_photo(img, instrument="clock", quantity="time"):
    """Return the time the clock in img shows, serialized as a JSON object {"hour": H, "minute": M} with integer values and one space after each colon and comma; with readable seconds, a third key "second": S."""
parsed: {"hour": 11, "minute": 11}
